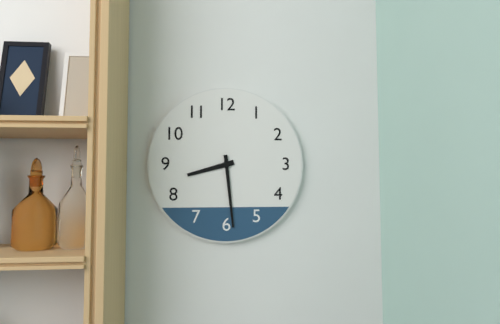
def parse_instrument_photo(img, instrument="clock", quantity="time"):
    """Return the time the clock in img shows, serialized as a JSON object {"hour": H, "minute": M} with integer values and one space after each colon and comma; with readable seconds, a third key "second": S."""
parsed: {"hour": 8, "minute": 29}
